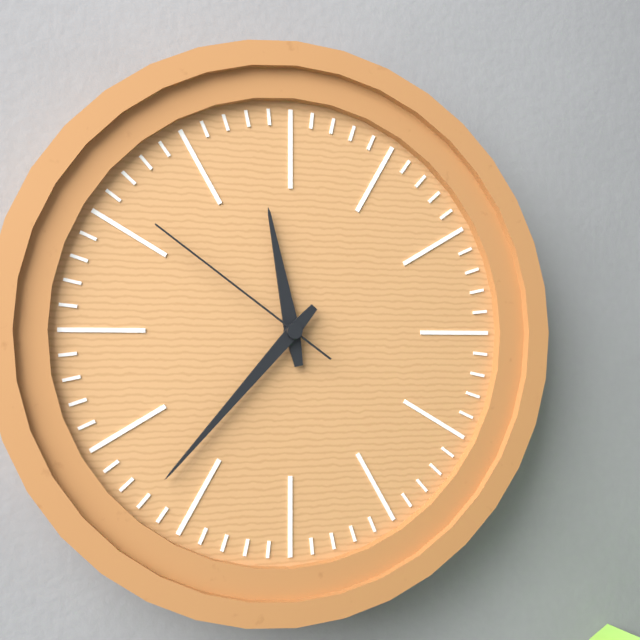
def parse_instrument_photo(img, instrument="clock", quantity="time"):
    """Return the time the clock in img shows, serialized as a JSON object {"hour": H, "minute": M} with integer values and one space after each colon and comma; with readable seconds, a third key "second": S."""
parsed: {"hour": 11, "minute": 37, "second": 51}
